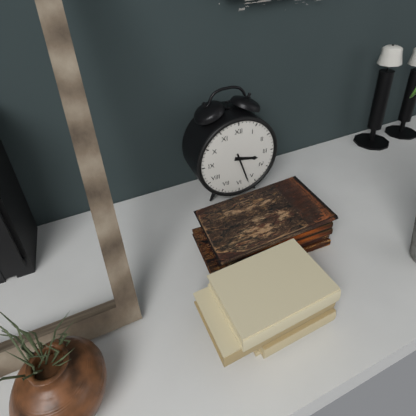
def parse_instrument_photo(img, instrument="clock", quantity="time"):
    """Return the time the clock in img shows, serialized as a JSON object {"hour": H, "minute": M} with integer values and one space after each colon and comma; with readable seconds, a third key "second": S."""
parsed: {"hour": 3, "minute": 27}
